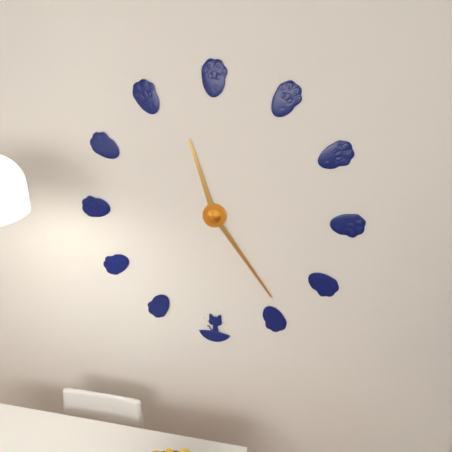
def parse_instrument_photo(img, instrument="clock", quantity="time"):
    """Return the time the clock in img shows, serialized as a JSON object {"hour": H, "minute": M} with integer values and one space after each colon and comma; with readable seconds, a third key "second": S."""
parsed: {"hour": 11, "minute": 24}
